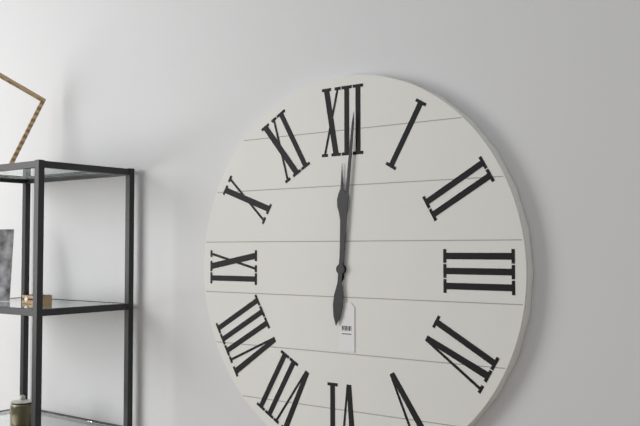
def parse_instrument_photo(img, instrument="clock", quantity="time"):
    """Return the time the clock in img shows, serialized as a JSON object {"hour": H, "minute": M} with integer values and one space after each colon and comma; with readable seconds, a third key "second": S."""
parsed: {"hour": 12, "minute": 1}
